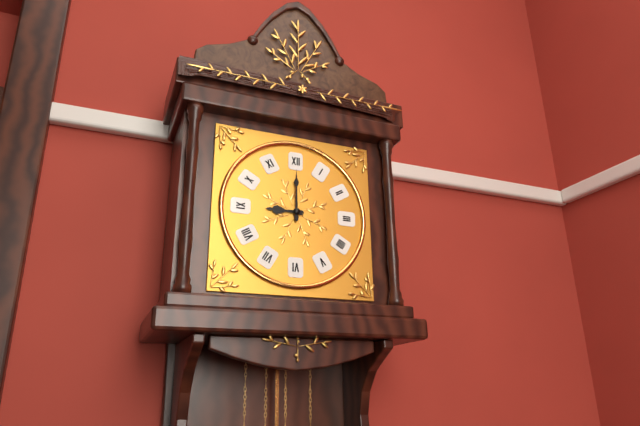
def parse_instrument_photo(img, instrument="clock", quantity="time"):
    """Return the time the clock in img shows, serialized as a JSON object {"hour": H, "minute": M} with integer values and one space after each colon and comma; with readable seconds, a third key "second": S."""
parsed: {"hour": 9, "minute": 0}
